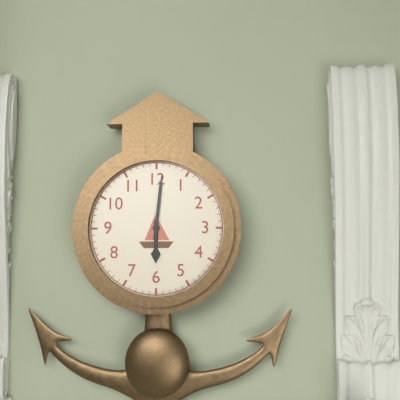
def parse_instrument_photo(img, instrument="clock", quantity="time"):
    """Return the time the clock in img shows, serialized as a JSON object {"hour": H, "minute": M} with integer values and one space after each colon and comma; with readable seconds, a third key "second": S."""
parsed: {"hour": 6, "minute": 1}
